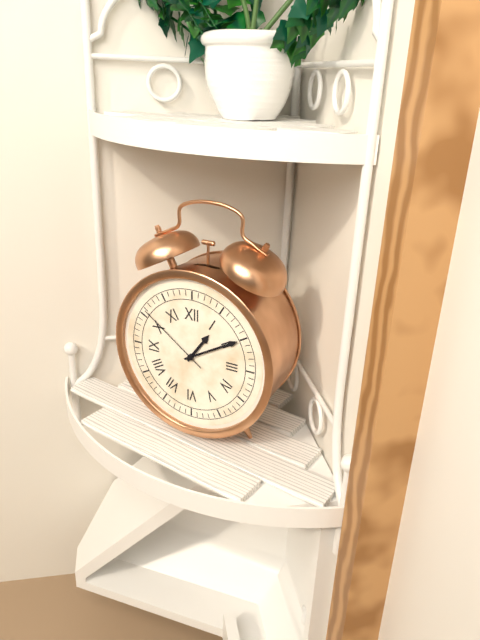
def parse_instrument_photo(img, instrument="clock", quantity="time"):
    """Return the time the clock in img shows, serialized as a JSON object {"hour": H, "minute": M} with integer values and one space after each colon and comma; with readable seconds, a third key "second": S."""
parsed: {"hour": 1, "minute": 10, "second": 51}
